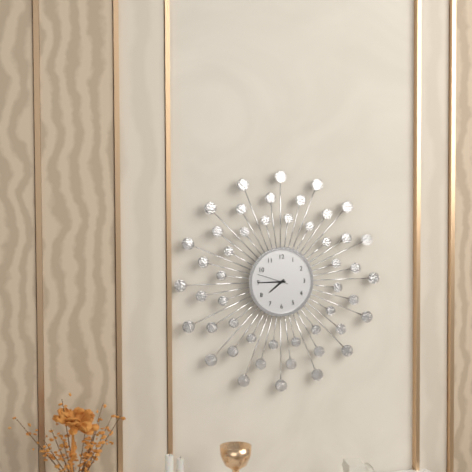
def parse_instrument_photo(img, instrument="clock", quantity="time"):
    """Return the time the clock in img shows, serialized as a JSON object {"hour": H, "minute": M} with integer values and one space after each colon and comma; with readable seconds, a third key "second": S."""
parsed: {"hour": 7, "minute": 45}
